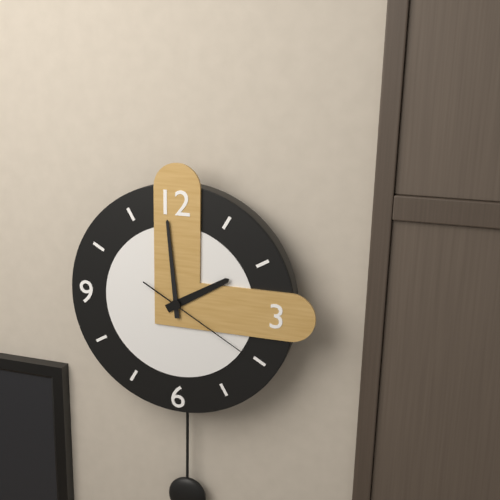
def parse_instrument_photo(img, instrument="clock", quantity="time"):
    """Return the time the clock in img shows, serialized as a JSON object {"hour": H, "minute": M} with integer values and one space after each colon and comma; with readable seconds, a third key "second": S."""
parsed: {"hour": 1, "minute": 59, "second": 20}
